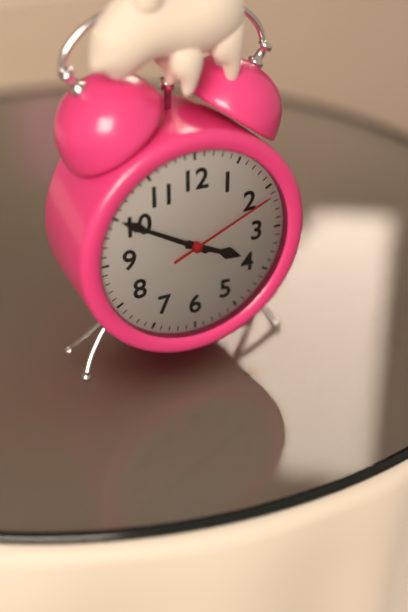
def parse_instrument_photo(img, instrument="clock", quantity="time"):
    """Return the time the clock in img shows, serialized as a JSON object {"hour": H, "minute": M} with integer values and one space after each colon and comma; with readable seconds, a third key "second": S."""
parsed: {"hour": 3, "minute": 50, "second": 11}
